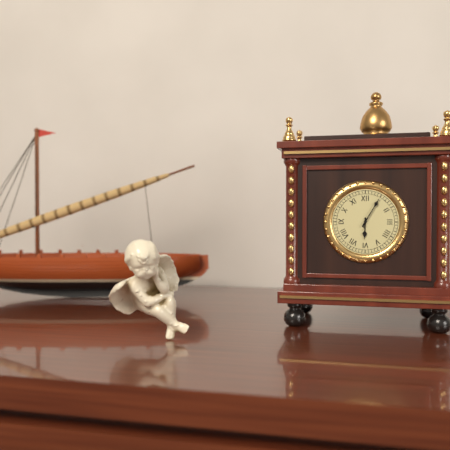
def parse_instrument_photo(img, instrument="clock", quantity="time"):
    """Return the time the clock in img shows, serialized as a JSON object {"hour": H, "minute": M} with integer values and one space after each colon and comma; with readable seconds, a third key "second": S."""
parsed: {"hour": 6, "minute": 5}
